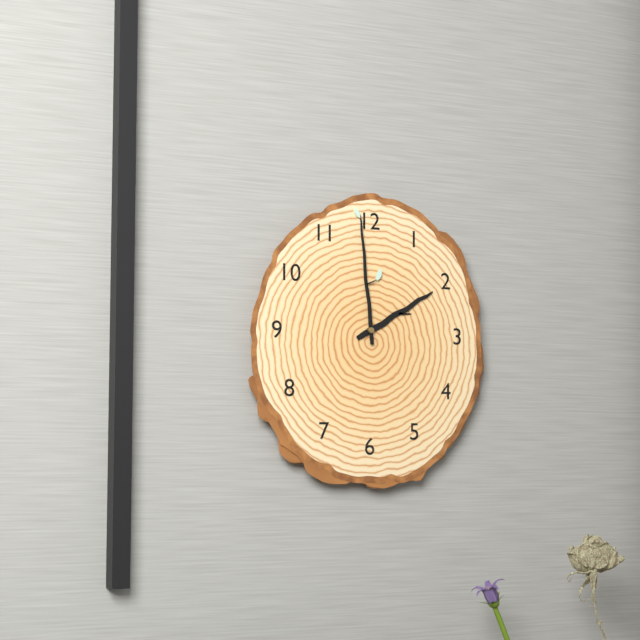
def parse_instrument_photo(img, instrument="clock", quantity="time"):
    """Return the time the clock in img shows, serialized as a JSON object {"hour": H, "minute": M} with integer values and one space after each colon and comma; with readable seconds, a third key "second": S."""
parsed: {"hour": 1, "minute": 59}
